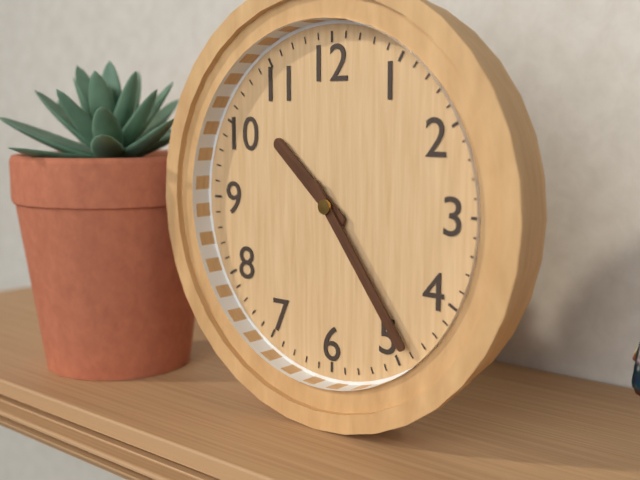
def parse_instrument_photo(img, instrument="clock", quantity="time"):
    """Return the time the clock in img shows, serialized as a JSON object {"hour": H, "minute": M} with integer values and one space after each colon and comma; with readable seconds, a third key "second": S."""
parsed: {"hour": 10, "minute": 24}
